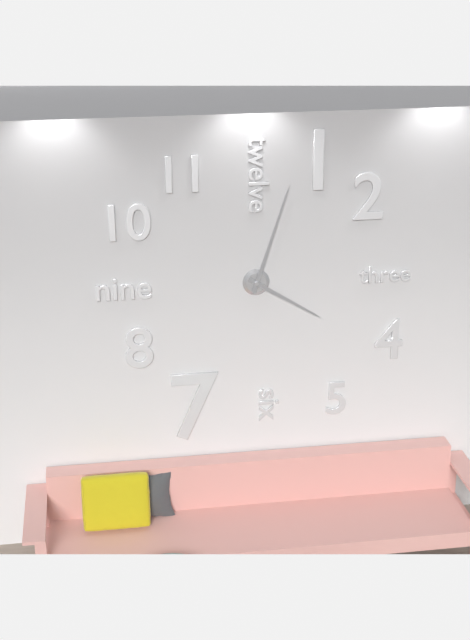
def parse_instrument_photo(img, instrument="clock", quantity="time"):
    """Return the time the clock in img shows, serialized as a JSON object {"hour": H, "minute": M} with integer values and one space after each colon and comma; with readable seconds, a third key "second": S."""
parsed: {"hour": 4, "minute": 3}
